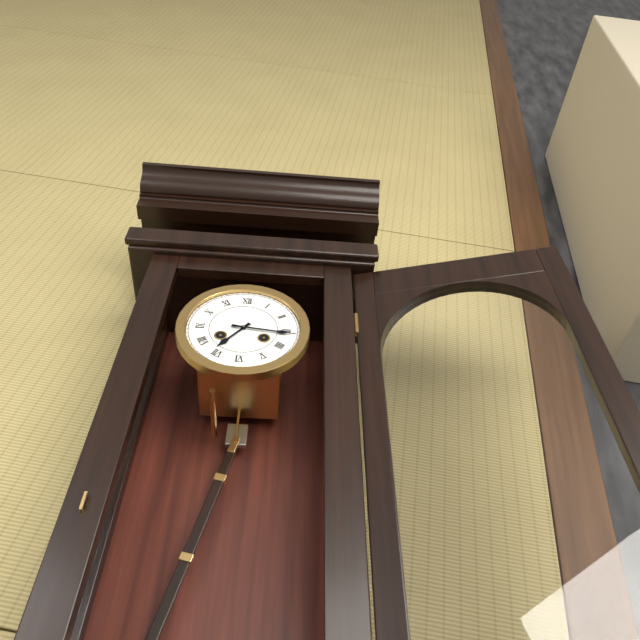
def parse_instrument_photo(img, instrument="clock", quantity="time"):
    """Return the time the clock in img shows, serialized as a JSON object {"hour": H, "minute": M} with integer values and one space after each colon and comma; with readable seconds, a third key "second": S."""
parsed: {"hour": 7, "minute": 16}
